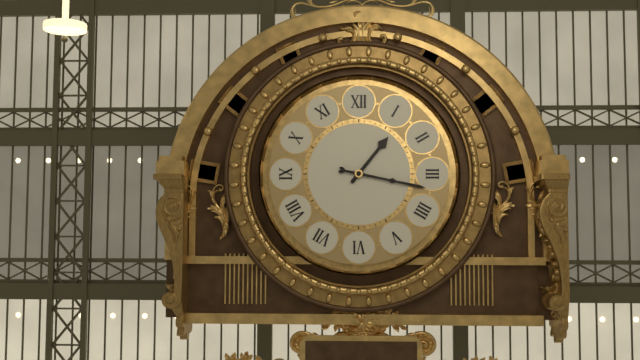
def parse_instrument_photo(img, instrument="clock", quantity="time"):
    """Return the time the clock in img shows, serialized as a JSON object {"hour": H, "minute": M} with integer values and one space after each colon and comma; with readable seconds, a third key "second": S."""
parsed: {"hour": 1, "minute": 17}
